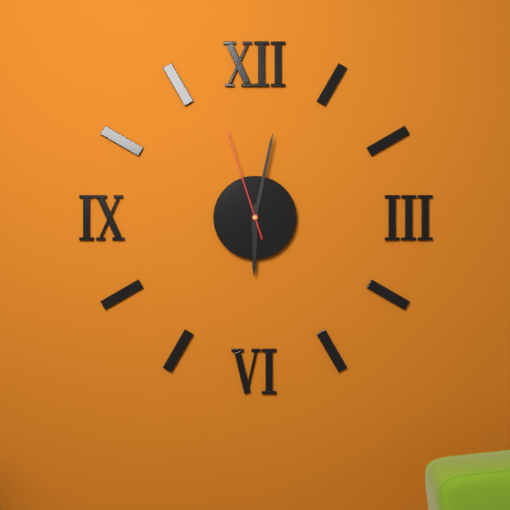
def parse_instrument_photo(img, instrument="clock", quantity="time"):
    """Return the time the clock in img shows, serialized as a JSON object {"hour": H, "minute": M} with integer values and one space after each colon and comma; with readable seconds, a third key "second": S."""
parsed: {"hour": 6, "minute": 2, "second": 57}
